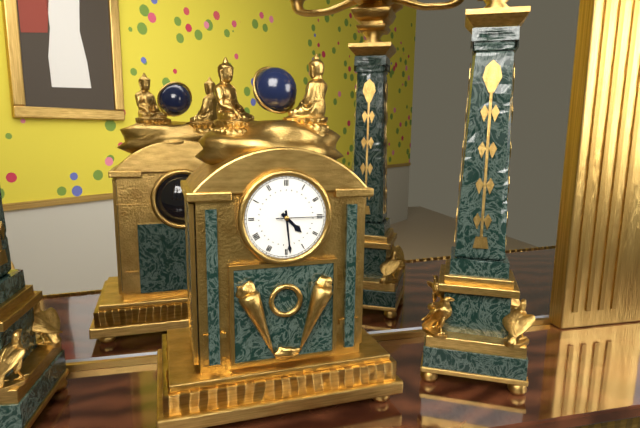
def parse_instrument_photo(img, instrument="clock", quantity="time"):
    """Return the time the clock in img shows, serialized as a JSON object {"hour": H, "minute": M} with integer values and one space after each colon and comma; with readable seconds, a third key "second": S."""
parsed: {"hour": 4, "minute": 29}
